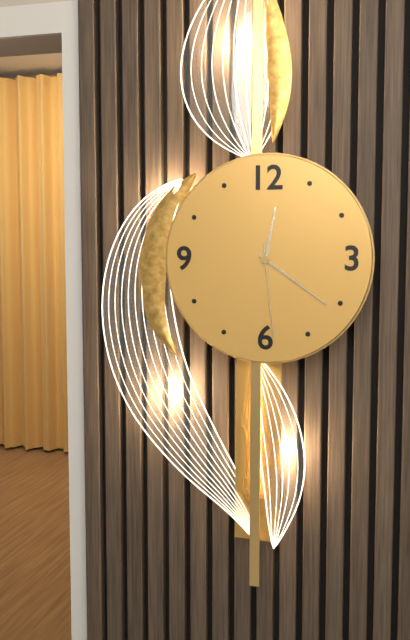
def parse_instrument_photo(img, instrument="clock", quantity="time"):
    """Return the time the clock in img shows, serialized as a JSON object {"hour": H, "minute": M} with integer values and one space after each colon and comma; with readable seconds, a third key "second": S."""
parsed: {"hour": 12, "minute": 21, "second": 29}
